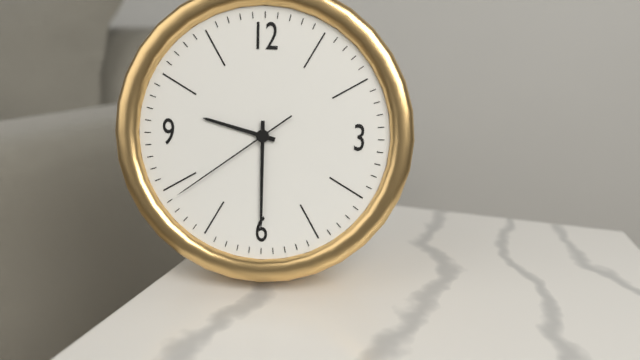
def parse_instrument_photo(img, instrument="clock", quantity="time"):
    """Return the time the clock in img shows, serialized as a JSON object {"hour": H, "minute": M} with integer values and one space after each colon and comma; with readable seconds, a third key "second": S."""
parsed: {"hour": 9, "minute": 30, "second": 39}
